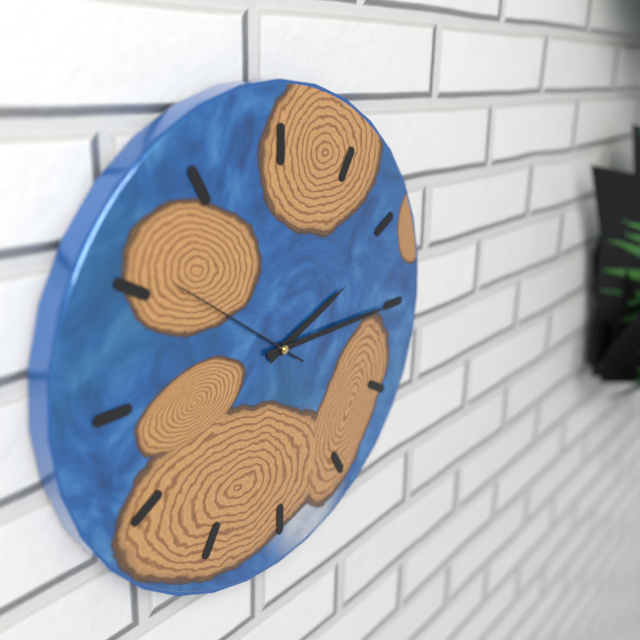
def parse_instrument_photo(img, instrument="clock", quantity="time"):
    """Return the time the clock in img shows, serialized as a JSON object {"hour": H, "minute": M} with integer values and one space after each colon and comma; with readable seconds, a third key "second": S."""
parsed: {"hour": 2, "minute": 15, "second": 51}
